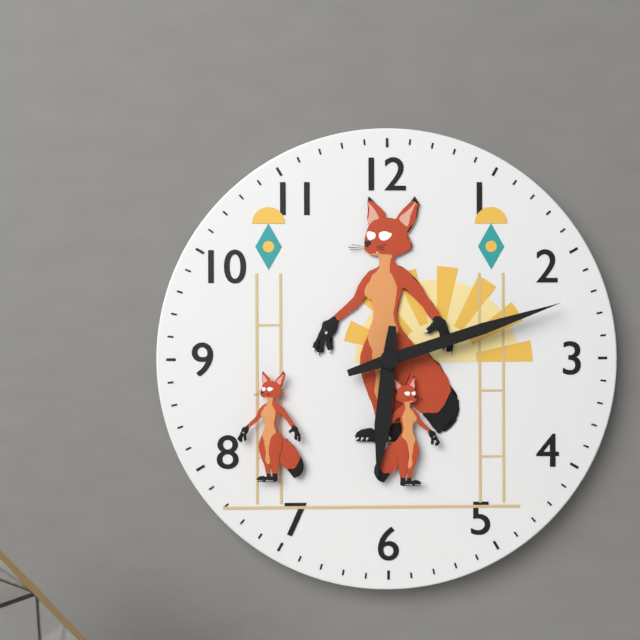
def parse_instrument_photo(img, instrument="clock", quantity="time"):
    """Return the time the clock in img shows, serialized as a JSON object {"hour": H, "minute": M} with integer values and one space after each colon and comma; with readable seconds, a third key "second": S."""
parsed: {"hour": 6, "minute": 12}
